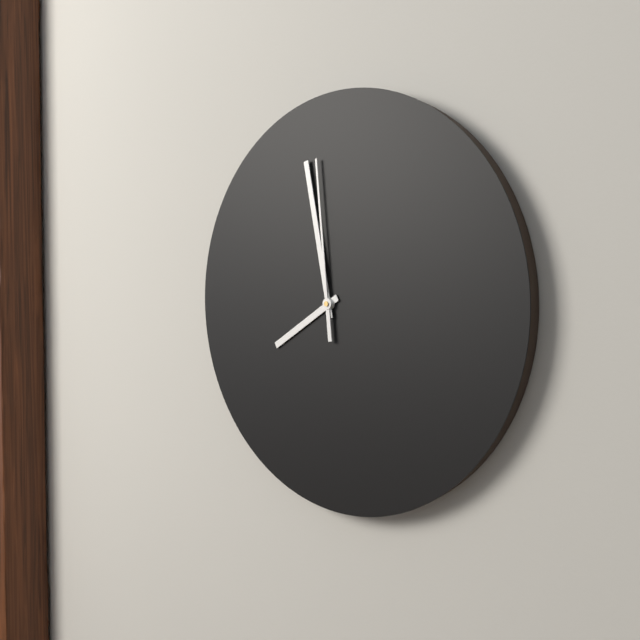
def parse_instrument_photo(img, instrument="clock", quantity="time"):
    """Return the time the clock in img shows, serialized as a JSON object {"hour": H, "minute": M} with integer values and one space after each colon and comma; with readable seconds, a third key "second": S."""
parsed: {"hour": 7, "minute": 58, "second": 59}
